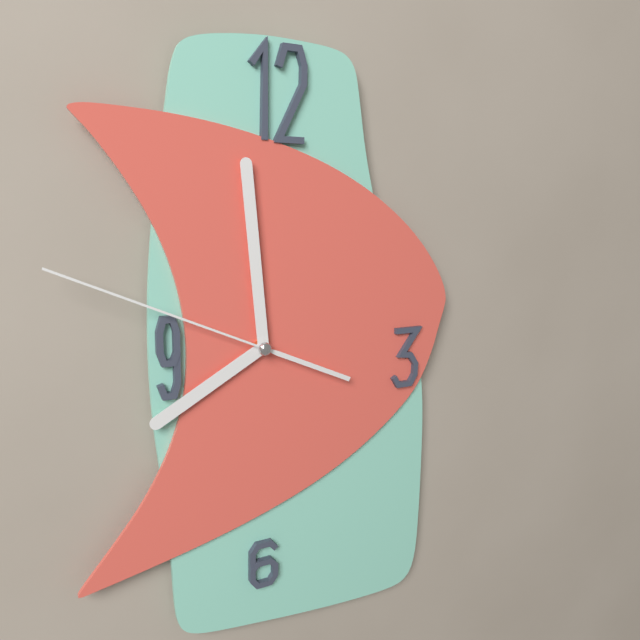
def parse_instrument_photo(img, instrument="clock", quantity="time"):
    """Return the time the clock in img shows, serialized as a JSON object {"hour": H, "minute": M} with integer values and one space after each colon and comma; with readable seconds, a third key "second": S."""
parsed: {"hour": 7, "minute": 59, "second": 49}
